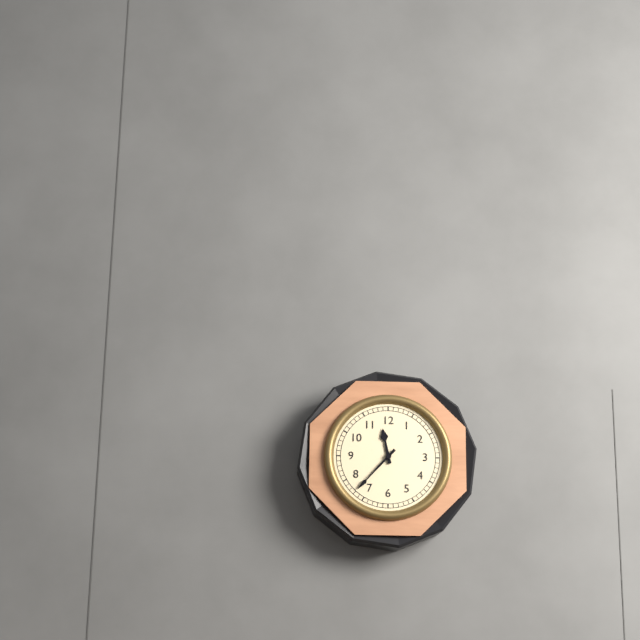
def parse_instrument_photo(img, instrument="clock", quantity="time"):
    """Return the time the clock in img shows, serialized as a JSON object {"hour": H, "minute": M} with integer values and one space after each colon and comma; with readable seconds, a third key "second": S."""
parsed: {"hour": 11, "minute": 37}
